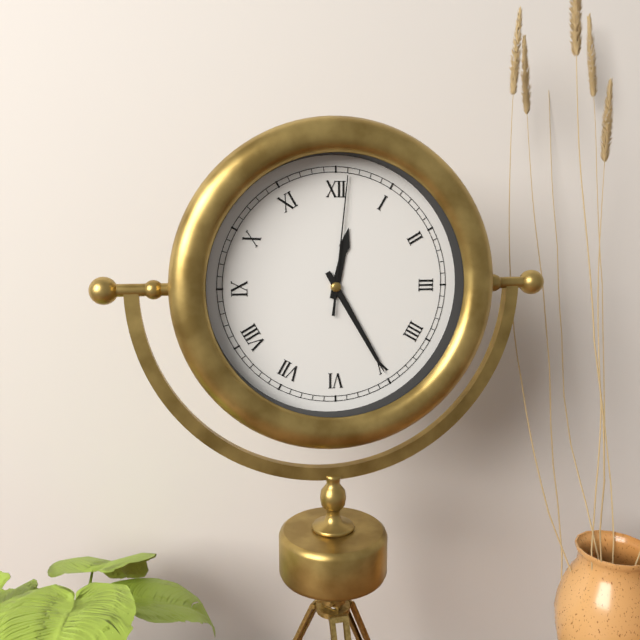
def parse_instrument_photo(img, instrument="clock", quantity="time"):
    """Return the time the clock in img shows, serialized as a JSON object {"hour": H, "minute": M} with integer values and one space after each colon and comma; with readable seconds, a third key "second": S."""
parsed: {"hour": 12, "minute": 25, "second": 1}
